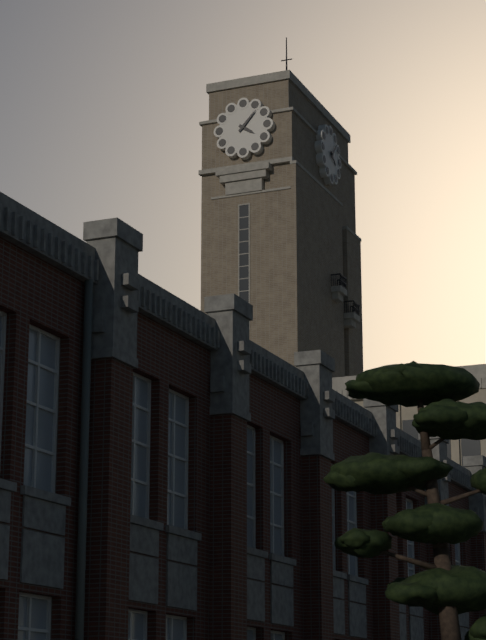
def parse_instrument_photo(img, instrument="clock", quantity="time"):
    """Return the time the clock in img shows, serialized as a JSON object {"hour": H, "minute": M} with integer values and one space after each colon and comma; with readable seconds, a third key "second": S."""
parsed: {"hour": 4, "minute": 7}
